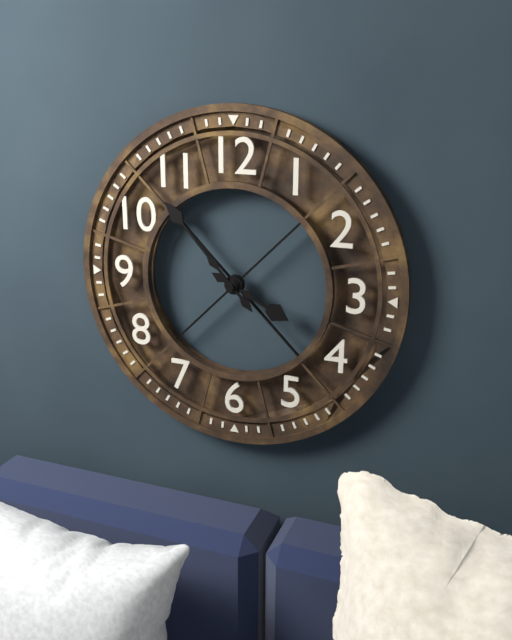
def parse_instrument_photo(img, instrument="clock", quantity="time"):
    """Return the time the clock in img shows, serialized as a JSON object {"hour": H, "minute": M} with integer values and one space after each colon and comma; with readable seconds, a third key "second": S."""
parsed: {"hour": 3, "minute": 53}
